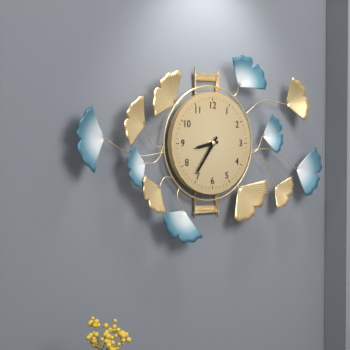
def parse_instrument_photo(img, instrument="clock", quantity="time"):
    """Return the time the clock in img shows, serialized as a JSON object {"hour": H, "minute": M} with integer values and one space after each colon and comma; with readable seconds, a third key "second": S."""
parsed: {"hour": 8, "minute": 36}
